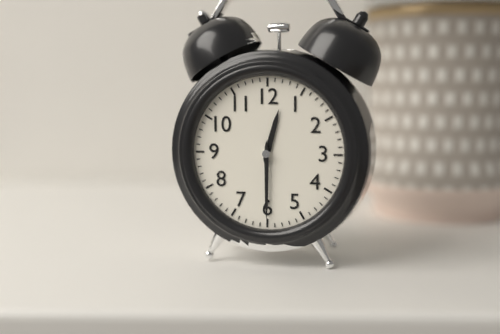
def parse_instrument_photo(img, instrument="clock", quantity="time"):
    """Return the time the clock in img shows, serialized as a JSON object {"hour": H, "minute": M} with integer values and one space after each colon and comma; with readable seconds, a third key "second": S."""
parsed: {"hour": 12, "minute": 30}
